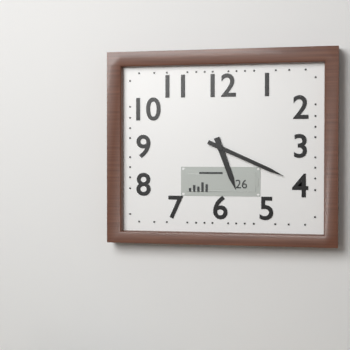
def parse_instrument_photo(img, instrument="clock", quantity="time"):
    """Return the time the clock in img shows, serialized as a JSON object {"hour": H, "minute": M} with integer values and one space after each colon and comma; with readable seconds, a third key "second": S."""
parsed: {"hour": 5, "minute": 19}
